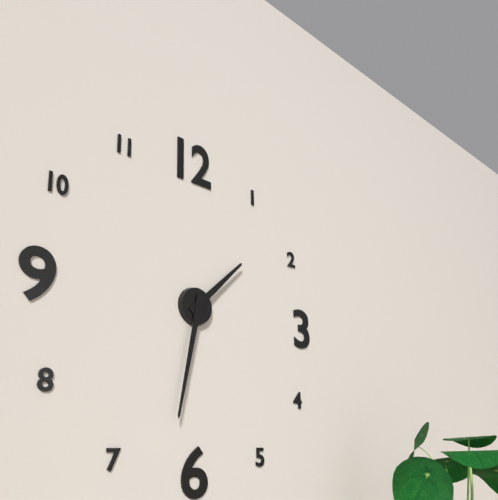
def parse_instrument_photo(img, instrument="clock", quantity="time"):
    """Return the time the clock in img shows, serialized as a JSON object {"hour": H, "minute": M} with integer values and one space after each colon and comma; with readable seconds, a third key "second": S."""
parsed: {"hour": 1, "minute": 32}
